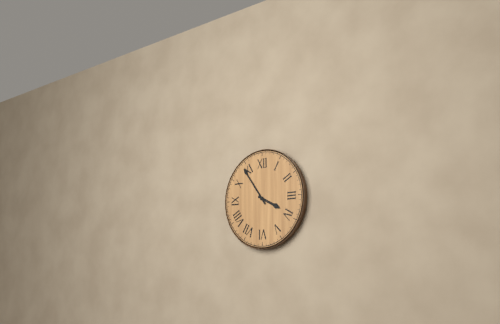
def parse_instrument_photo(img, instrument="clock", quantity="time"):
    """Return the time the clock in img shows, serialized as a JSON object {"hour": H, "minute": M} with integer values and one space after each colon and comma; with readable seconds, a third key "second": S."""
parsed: {"hour": 3, "minute": 54}
